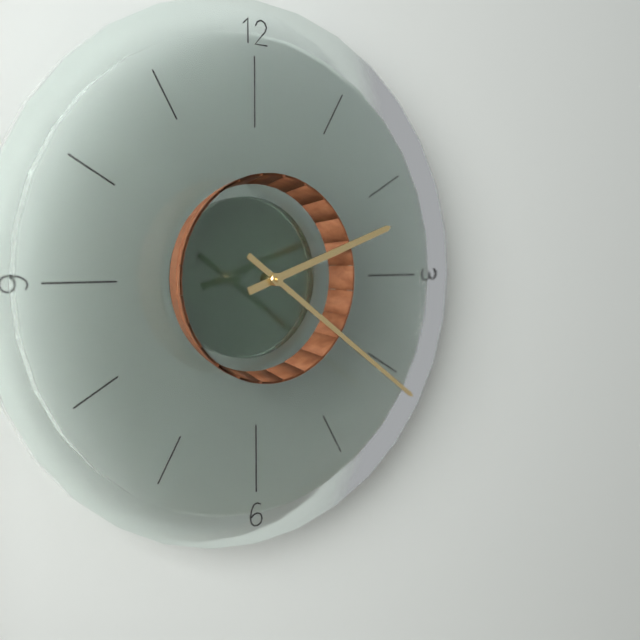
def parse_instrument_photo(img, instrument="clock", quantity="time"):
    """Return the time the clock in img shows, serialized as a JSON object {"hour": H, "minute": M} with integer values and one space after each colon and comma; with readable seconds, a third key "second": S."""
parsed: {"hour": 2, "minute": 21}
